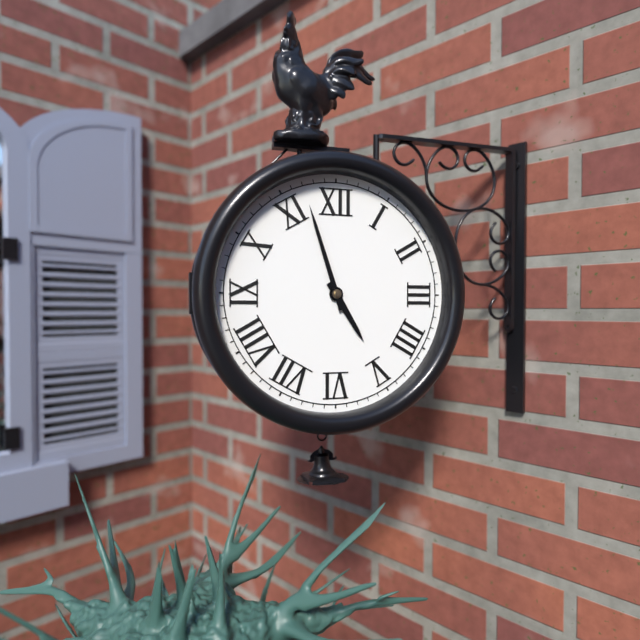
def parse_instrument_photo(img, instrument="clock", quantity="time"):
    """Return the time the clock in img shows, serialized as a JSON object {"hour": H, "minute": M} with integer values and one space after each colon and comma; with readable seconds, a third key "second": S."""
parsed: {"hour": 4, "minute": 57}
